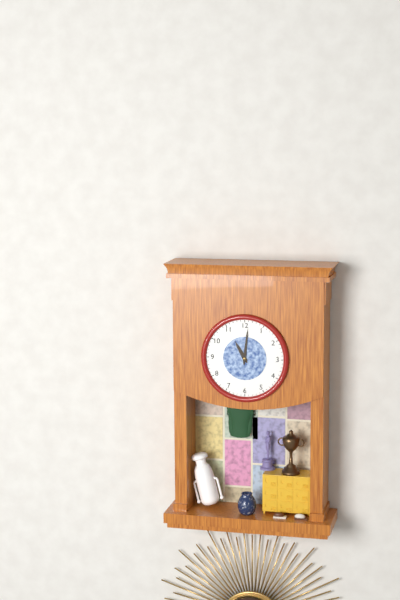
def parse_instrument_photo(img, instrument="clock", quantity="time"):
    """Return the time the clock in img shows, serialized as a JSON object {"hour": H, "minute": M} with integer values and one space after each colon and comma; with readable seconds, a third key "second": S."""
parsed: {"hour": 11, "minute": 1}
